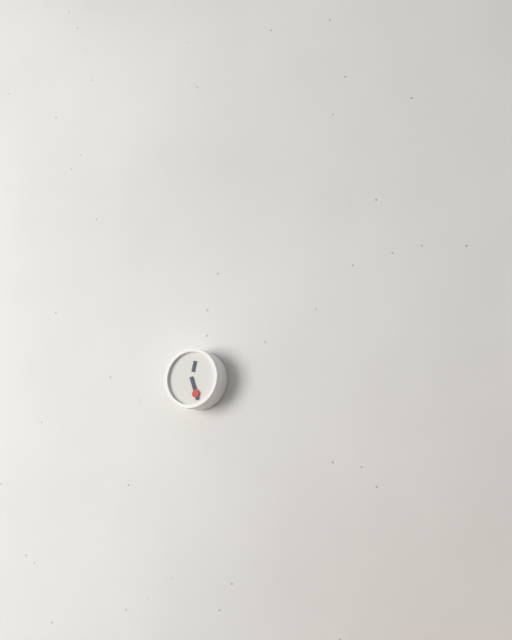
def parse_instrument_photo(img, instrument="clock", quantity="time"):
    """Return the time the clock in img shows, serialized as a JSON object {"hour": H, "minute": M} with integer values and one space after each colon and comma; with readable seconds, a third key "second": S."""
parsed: {"hour": 12, "minute": 27}
